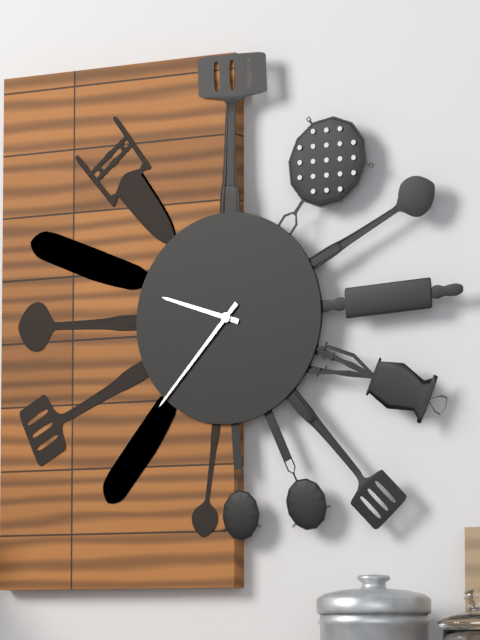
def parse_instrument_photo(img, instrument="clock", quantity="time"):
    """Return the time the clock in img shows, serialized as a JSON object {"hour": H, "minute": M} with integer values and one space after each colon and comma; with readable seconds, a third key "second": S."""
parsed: {"hour": 9, "minute": 37}
